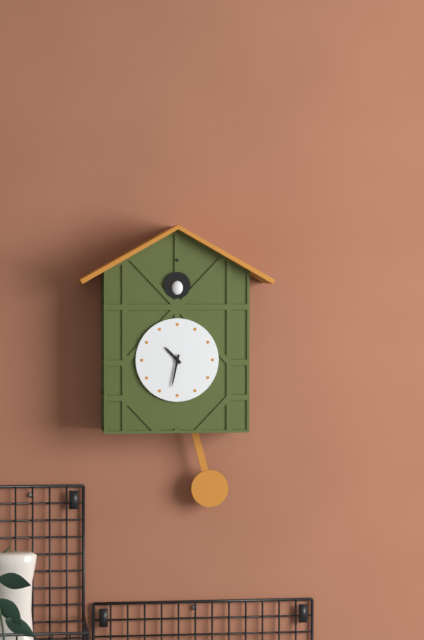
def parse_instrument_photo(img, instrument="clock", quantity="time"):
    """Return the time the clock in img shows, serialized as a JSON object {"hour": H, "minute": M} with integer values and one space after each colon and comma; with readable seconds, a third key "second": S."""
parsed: {"hour": 10, "minute": 32}
